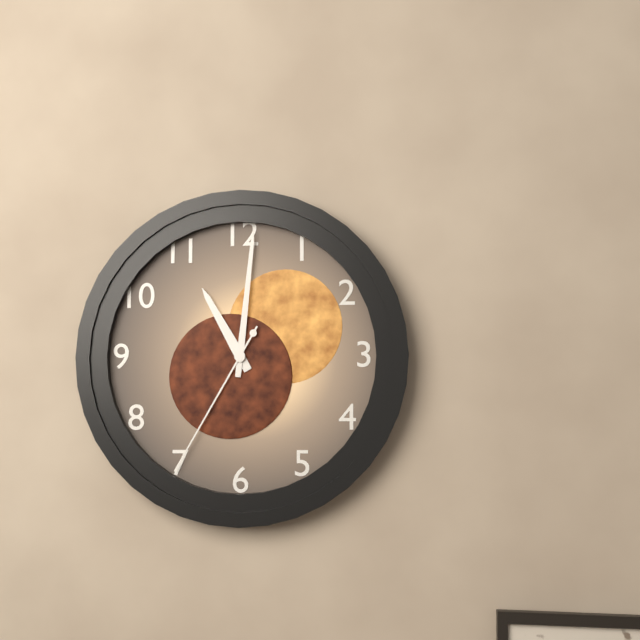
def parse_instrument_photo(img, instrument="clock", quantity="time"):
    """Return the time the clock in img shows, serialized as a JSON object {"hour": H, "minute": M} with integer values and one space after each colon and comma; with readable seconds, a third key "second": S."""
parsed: {"hour": 11, "minute": 1, "second": 35}
